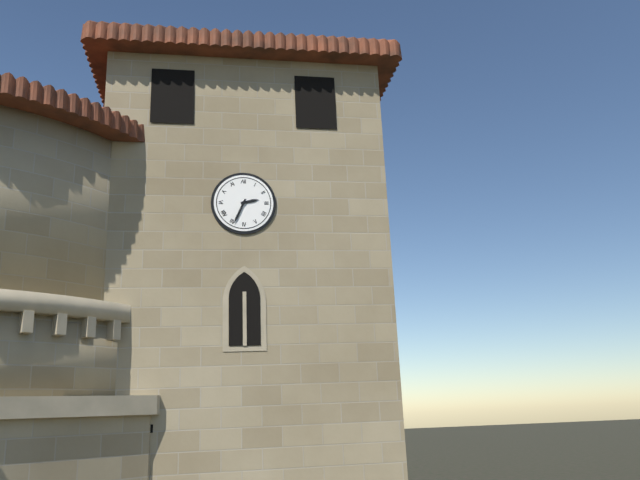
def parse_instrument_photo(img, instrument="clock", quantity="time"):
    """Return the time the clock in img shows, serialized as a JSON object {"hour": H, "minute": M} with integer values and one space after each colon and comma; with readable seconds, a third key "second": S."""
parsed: {"hour": 2, "minute": 34}
